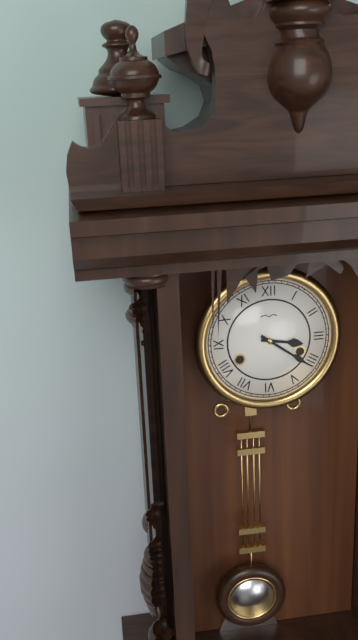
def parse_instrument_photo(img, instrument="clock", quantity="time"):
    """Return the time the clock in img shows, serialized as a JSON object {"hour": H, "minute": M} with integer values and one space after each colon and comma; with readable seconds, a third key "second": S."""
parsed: {"hour": 3, "minute": 21}
